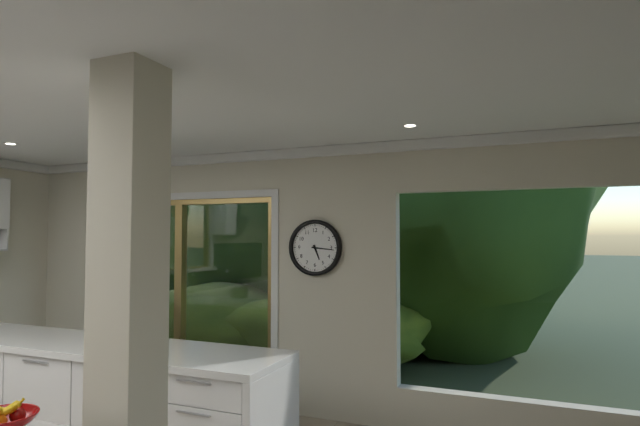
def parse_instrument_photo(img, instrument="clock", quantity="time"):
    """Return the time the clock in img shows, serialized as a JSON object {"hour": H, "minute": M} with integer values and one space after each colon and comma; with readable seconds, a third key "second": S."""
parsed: {"hour": 5, "minute": 16}
